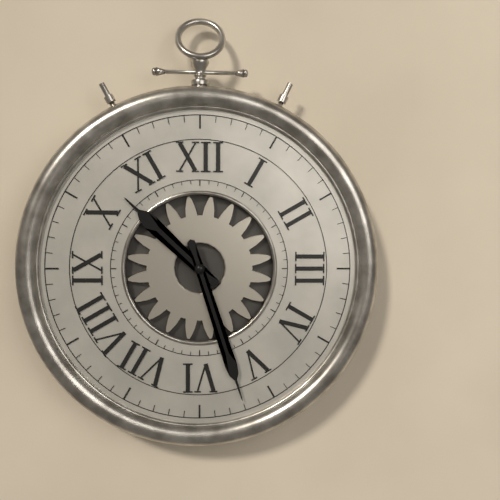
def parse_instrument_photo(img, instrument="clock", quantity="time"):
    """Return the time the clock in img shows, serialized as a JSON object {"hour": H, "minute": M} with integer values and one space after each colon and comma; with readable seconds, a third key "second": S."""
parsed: {"hour": 10, "minute": 27}
